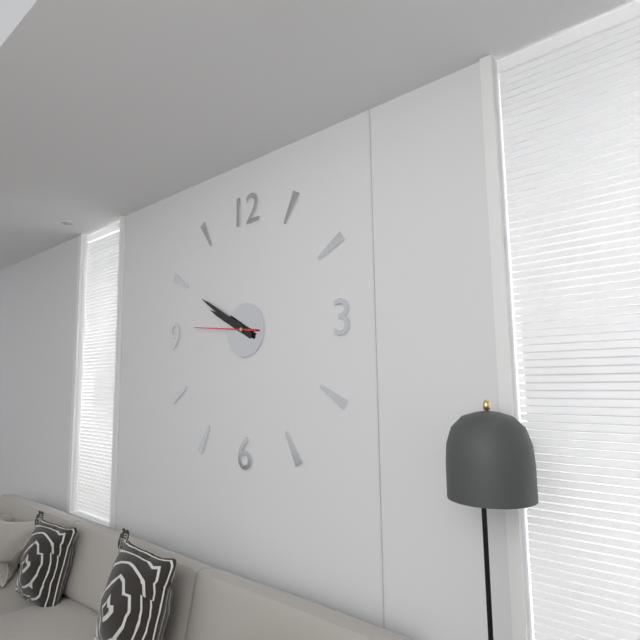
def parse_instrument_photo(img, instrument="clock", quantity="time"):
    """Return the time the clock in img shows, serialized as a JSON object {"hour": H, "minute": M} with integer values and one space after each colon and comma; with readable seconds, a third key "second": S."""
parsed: {"hour": 9, "minute": 50, "second": 46}
